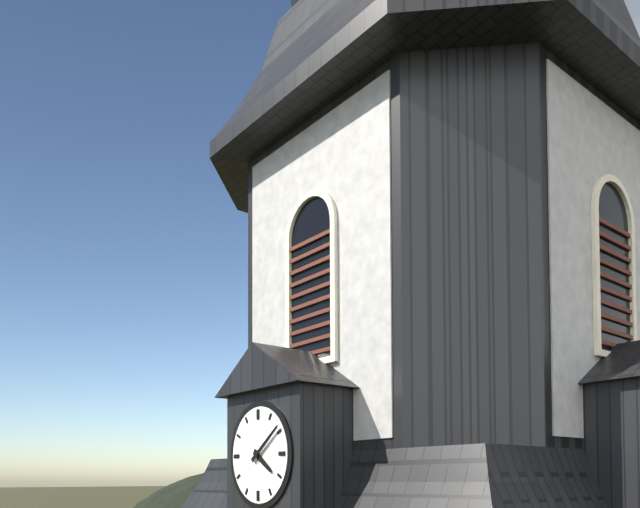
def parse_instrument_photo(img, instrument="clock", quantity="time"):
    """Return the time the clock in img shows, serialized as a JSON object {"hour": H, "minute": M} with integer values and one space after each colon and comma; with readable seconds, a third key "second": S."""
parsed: {"hour": 4, "minute": 9}
